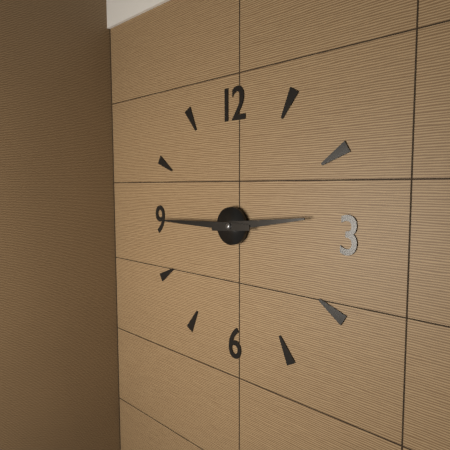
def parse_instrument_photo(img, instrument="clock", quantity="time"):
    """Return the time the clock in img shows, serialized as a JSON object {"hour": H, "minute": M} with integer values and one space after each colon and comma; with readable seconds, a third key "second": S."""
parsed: {"hour": 2, "minute": 45}
